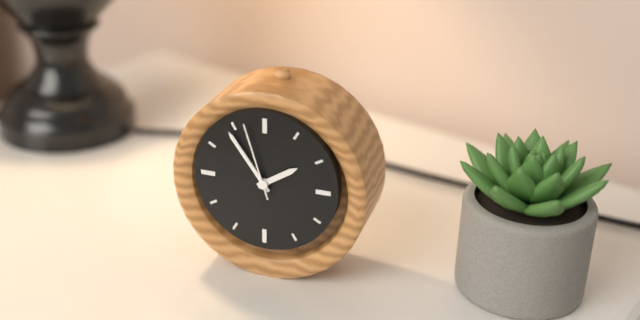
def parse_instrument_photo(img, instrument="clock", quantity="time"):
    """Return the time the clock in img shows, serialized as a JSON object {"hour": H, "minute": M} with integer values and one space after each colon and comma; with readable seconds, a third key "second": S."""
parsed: {"hour": 1, "minute": 54, "second": 57}
